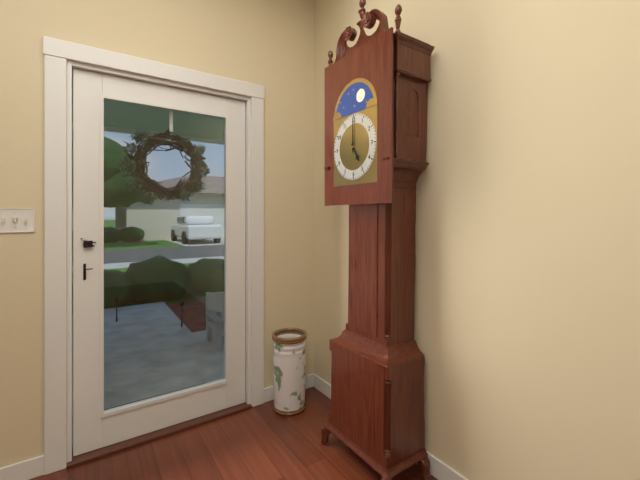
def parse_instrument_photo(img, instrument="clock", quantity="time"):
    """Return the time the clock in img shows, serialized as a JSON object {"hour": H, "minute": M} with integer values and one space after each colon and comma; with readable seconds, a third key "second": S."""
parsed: {"hour": 5, "minute": 0}
